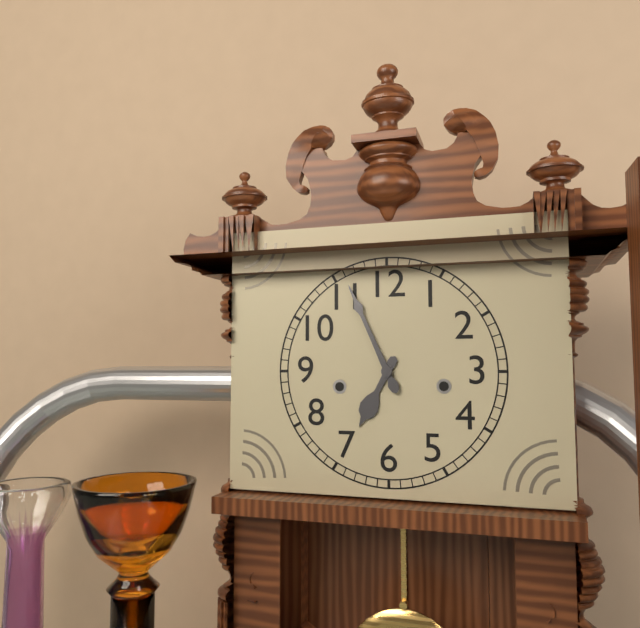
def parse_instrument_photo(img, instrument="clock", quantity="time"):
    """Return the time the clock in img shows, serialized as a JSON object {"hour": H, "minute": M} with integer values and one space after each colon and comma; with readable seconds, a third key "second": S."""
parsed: {"hour": 6, "minute": 56}
